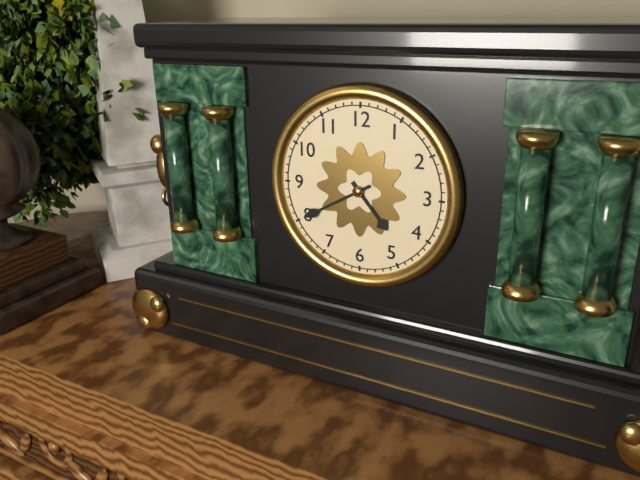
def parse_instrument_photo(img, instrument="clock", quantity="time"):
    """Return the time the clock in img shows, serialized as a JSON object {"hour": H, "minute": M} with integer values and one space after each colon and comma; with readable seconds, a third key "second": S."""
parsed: {"hour": 4, "minute": 40}
